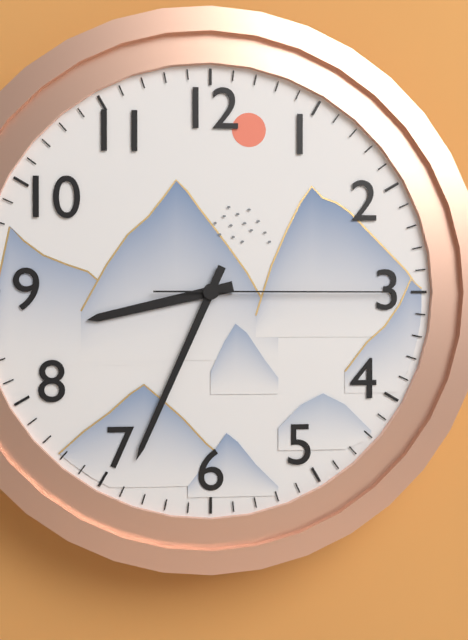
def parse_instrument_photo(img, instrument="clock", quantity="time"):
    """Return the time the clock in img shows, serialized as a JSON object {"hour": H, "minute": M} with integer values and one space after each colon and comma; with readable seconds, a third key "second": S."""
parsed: {"hour": 8, "minute": 34, "second": 15}
